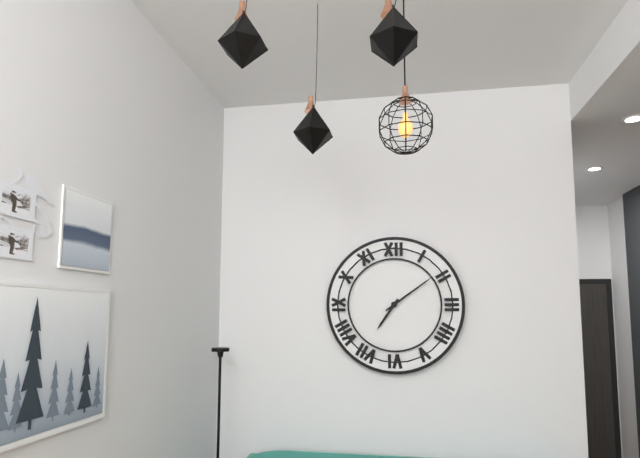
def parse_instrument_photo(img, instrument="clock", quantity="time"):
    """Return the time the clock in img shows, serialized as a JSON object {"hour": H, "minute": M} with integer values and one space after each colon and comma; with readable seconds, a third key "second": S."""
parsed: {"hour": 7, "minute": 9}
